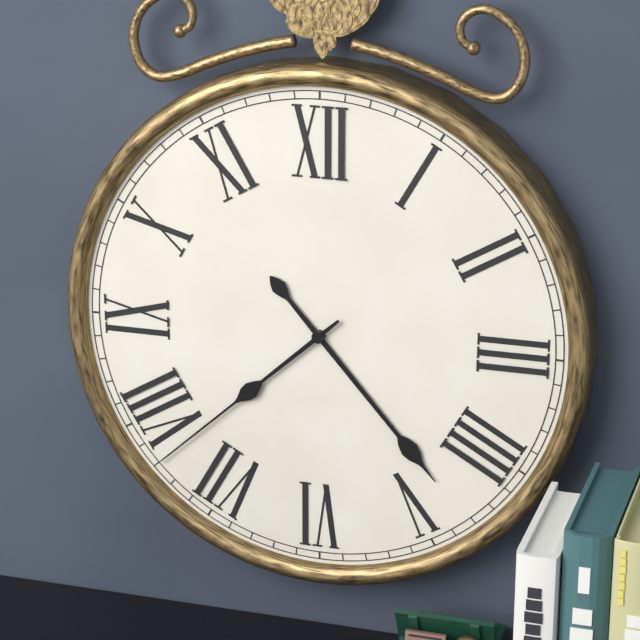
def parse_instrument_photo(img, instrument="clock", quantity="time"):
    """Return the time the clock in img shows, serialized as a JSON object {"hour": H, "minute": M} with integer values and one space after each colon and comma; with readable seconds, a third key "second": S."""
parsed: {"hour": 4, "minute": 38}
